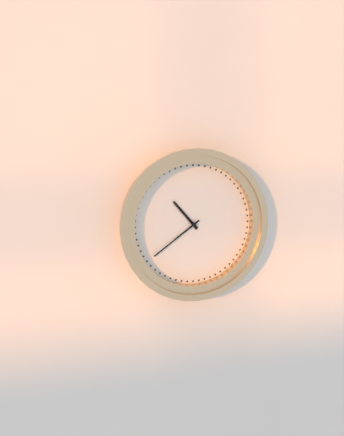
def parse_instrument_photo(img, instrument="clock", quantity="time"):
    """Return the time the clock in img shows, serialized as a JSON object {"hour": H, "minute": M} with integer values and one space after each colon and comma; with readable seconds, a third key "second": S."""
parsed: {"hour": 10, "minute": 39}
